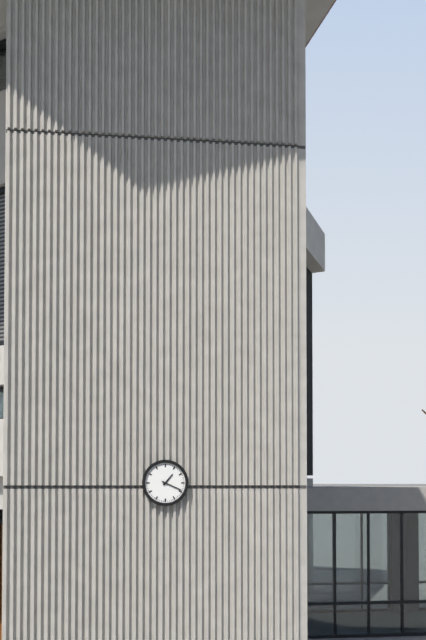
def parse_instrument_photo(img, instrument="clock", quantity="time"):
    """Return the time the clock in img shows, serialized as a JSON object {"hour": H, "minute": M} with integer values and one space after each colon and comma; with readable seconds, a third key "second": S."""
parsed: {"hour": 1, "minute": 19}
